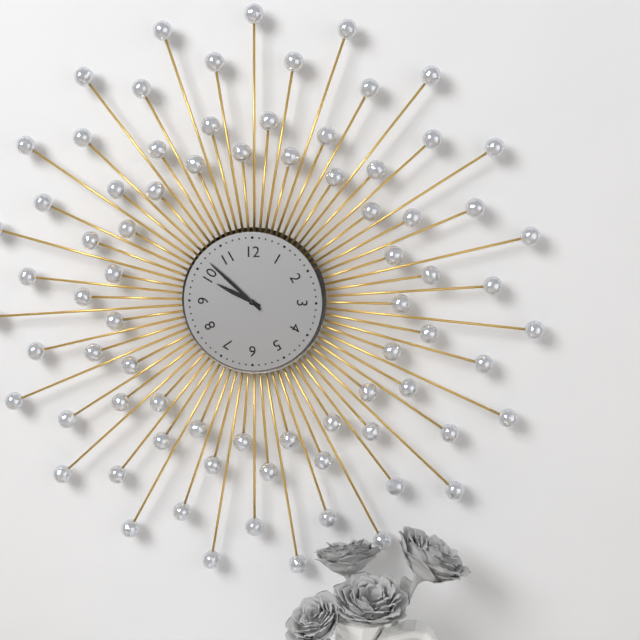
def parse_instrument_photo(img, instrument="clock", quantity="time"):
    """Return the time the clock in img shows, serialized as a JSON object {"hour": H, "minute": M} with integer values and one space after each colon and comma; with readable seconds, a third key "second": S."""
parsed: {"hour": 9, "minute": 52}
